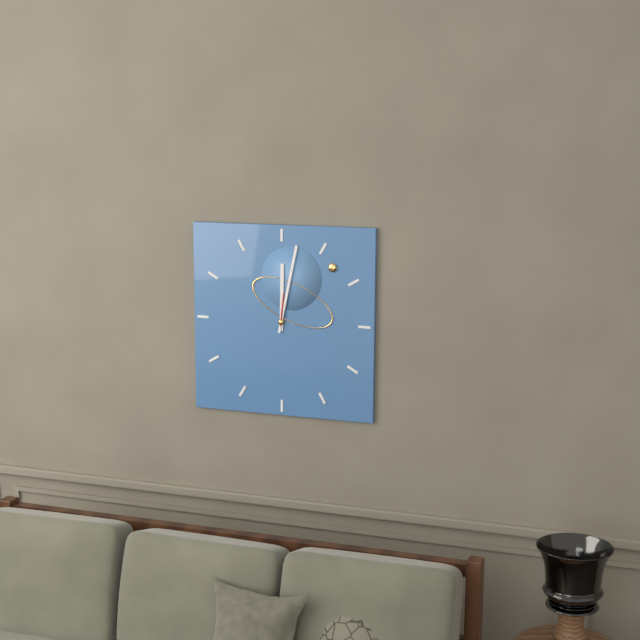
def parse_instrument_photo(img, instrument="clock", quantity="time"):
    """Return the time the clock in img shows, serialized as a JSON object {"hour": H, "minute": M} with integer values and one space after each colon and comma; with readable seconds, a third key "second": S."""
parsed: {"hour": 12, "minute": 2}
